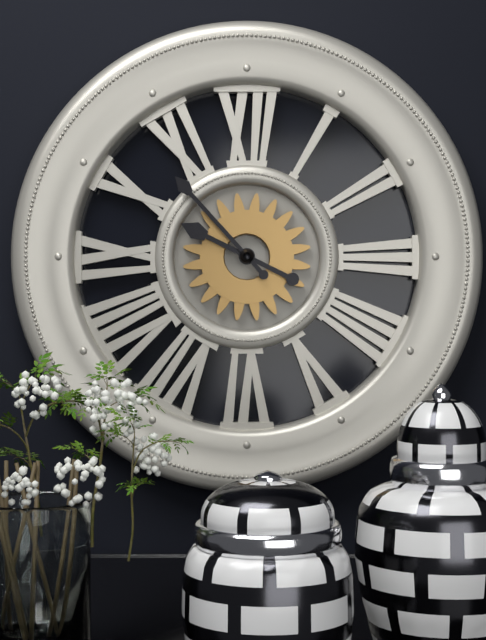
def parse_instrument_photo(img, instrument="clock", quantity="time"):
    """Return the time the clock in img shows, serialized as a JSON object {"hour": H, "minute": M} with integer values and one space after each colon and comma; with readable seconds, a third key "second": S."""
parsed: {"hour": 9, "minute": 53}
